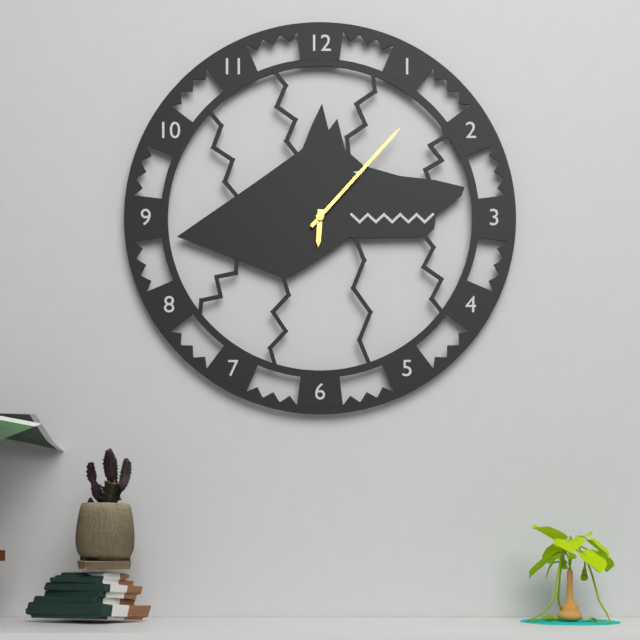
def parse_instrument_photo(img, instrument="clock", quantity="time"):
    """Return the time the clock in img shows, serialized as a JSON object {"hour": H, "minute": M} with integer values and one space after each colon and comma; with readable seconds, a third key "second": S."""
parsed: {"hour": 6, "minute": 7}
